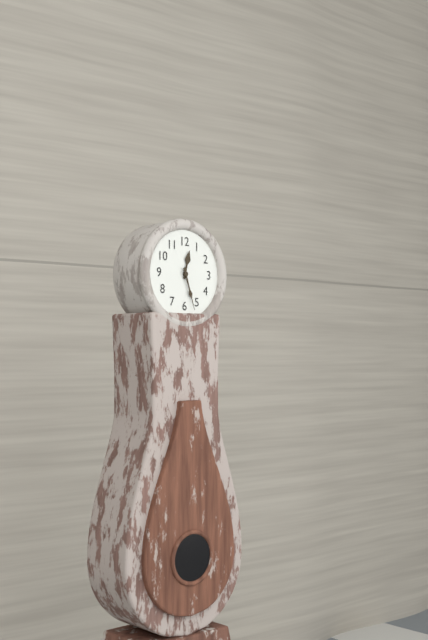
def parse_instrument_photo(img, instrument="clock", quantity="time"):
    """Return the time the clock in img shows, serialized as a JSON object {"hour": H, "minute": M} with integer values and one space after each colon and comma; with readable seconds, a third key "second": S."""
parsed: {"hour": 12, "minute": 27}
